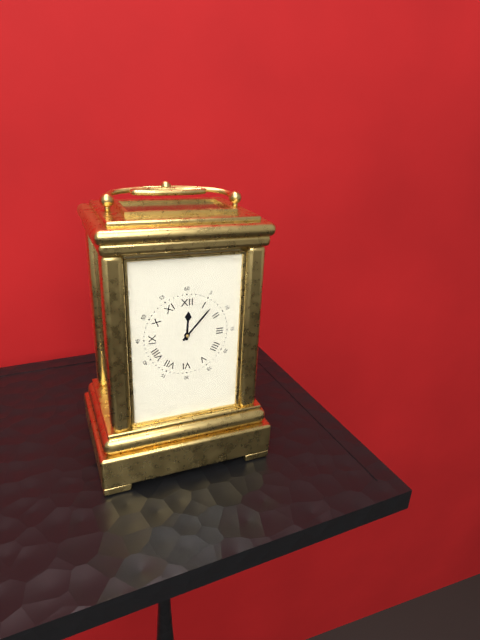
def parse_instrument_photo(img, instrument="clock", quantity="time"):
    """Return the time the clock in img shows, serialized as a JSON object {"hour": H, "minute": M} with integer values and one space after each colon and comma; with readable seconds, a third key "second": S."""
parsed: {"hour": 12, "minute": 7}
